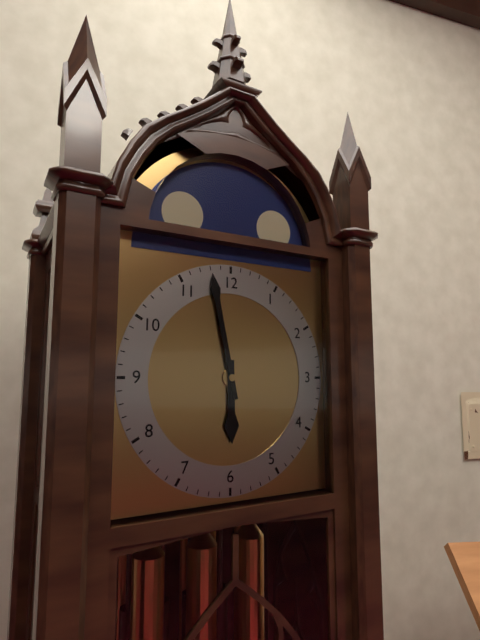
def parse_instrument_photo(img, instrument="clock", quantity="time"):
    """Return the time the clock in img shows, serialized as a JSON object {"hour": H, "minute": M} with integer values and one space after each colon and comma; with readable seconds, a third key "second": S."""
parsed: {"hour": 5, "minute": 58}
